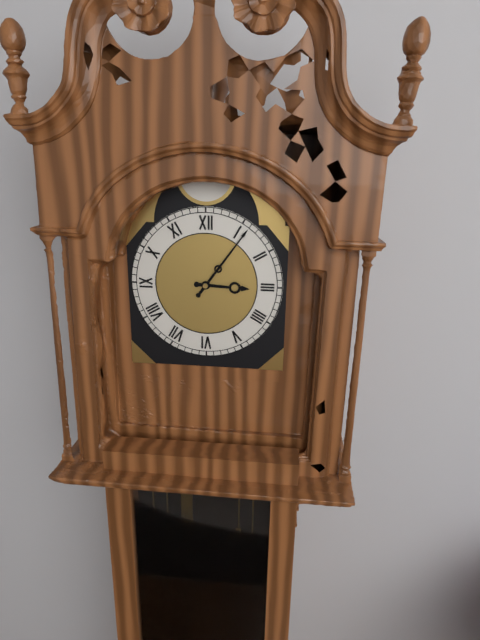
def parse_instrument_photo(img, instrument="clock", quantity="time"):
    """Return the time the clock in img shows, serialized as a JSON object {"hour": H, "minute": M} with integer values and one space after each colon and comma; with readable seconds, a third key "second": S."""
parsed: {"hour": 3, "minute": 6}
